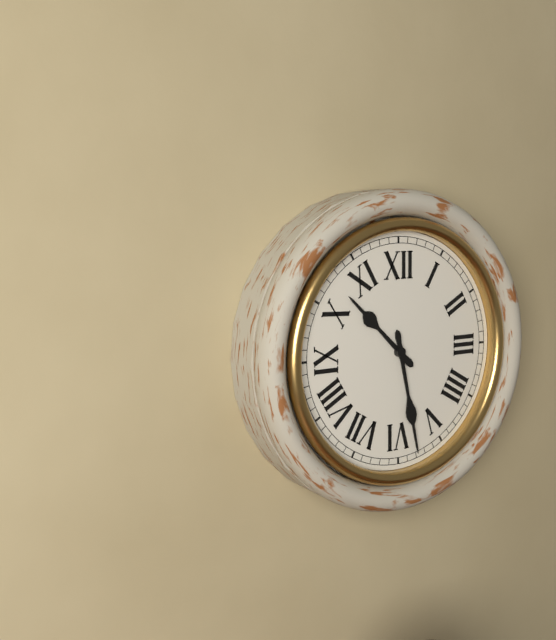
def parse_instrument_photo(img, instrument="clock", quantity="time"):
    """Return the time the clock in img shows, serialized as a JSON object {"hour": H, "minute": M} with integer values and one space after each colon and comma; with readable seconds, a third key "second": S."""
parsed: {"hour": 10, "minute": 28}
